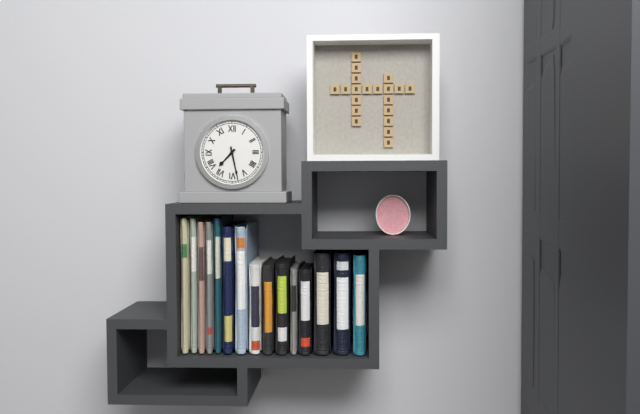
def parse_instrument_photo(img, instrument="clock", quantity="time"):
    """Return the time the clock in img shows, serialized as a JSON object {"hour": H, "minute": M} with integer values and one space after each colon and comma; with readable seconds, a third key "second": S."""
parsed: {"hour": 7, "minute": 28}
